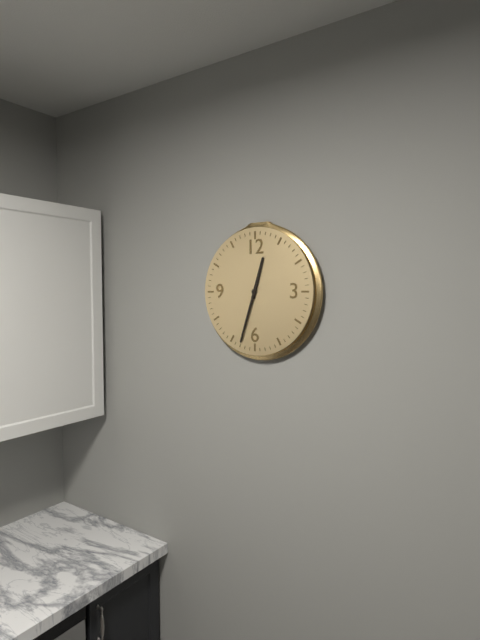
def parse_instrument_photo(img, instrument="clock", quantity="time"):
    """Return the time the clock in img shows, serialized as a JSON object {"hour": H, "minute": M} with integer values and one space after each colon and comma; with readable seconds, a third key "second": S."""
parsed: {"hour": 12, "minute": 33}
